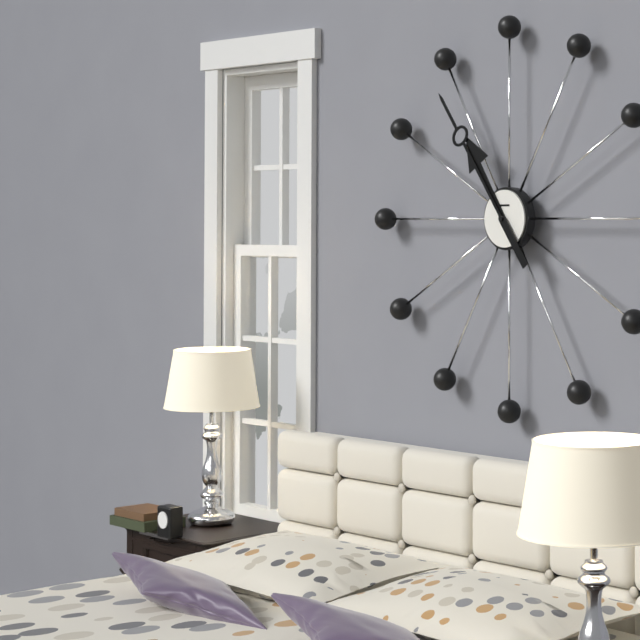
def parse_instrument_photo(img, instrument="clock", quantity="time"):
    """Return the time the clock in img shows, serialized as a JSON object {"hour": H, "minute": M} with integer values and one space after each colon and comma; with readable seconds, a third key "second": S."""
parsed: {"hour": 10, "minute": 54}
